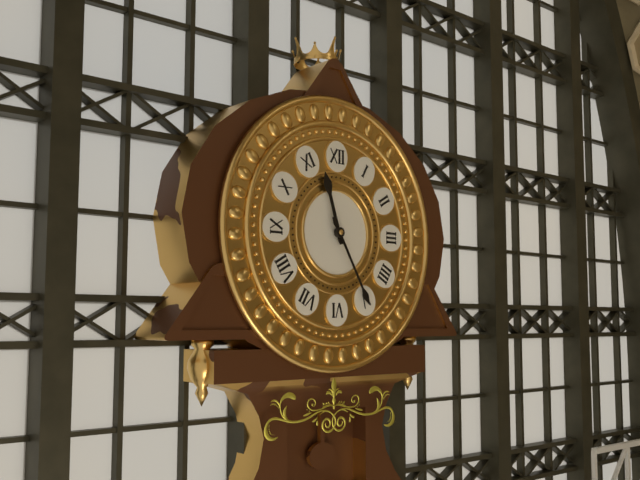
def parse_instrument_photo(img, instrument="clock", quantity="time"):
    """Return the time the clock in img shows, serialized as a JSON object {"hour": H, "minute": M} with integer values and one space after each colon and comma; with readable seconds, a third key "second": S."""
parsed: {"hour": 11, "minute": 25}
